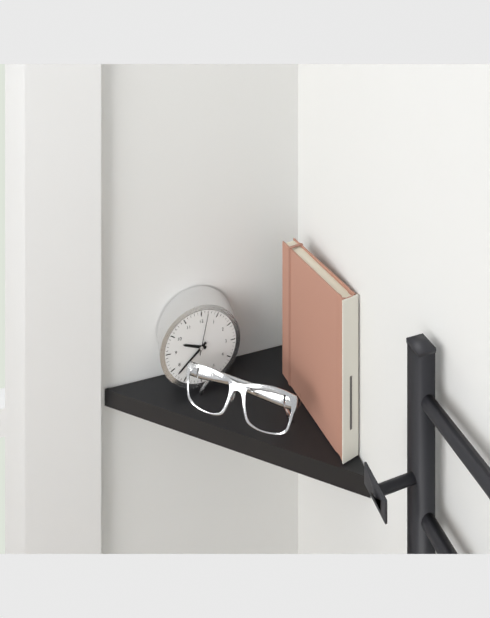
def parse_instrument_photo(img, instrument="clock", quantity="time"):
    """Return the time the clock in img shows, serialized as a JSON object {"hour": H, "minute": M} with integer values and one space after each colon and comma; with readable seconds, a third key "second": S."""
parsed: {"hour": 9, "minute": 38}
